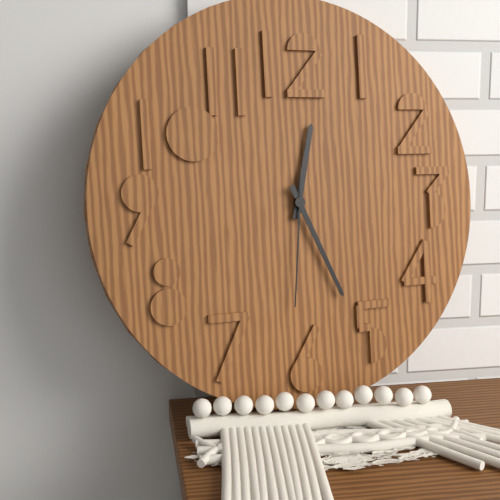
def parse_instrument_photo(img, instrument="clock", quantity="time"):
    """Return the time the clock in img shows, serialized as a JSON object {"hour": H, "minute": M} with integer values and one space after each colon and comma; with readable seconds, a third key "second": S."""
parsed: {"hour": 12, "minute": 26, "second": 31}
